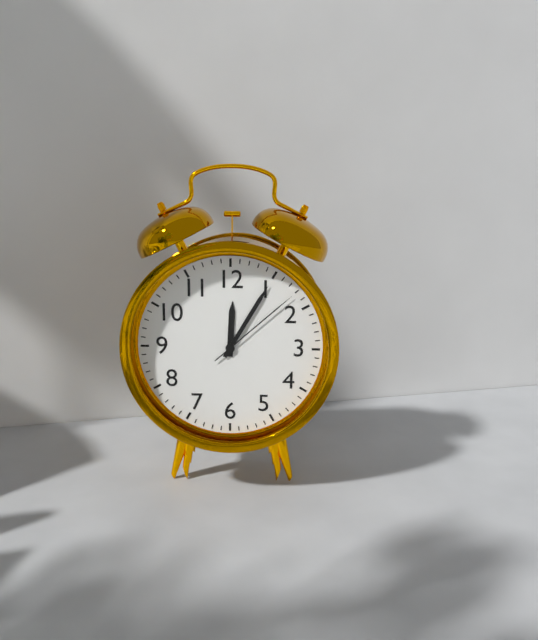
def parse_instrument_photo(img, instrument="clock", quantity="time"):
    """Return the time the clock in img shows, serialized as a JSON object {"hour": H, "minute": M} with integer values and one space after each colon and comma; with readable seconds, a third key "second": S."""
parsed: {"hour": 12, "minute": 5, "second": 8}
